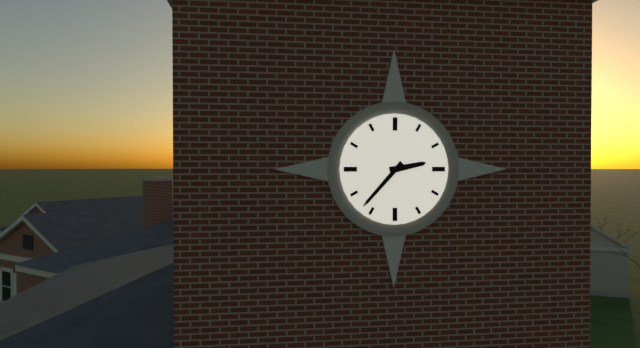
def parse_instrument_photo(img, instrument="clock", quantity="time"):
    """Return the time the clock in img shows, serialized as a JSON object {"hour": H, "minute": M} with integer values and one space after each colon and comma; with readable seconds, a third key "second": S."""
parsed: {"hour": 2, "minute": 37}
